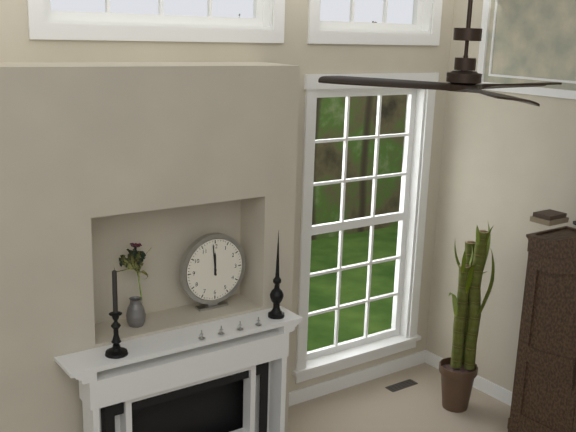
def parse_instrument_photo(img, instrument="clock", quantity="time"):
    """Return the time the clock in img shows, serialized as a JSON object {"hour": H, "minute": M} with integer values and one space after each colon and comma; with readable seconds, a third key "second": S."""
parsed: {"hour": 11, "minute": 59}
